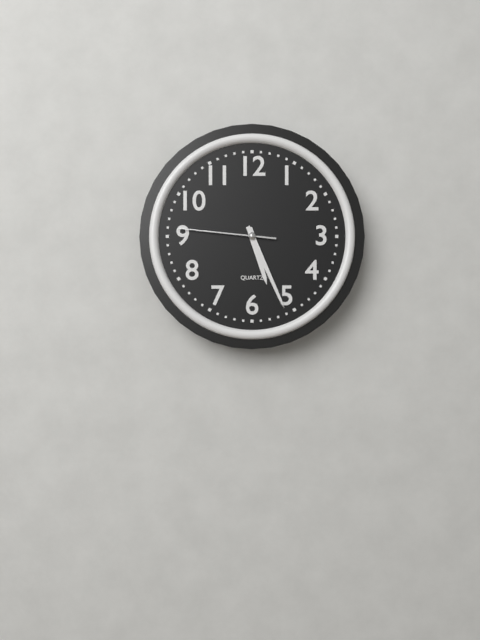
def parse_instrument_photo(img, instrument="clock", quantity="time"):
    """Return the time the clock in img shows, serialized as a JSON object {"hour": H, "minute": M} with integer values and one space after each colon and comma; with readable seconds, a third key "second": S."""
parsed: {"hour": 5, "minute": 26, "second": 46}
